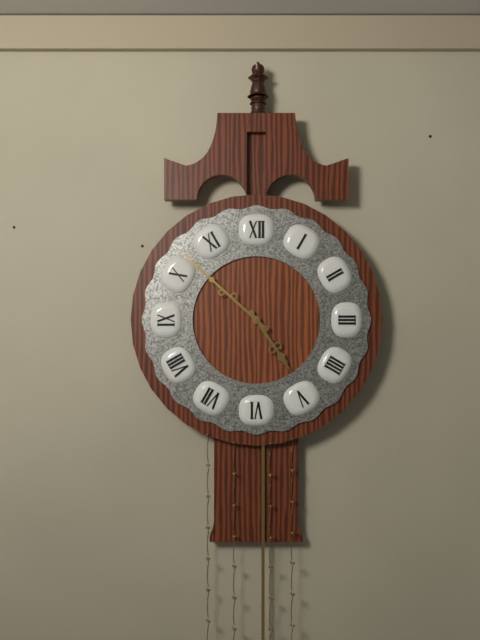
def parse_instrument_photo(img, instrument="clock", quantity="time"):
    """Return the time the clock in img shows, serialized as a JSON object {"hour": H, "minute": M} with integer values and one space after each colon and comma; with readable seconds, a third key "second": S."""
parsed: {"hour": 4, "minute": 52}
